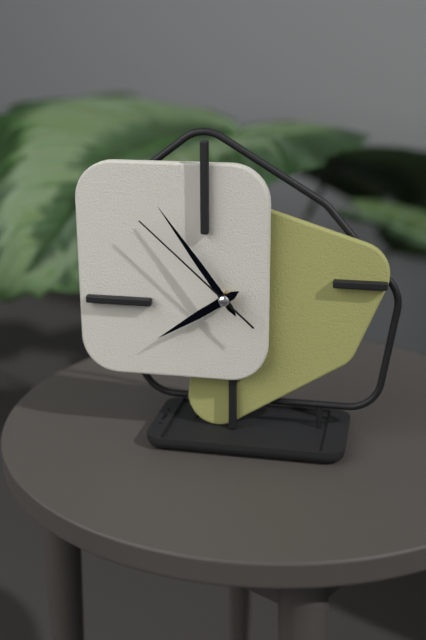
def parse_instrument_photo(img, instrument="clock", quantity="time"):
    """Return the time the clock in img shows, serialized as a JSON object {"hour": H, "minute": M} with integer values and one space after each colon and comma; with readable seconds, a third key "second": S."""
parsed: {"hour": 7, "minute": 54, "second": 52}
